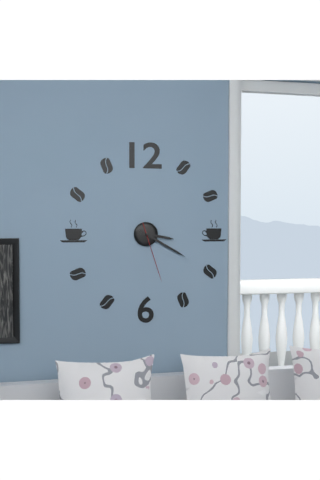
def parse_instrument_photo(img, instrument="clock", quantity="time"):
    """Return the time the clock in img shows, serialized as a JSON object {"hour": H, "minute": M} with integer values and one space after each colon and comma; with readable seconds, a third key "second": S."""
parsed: {"hour": 3, "minute": 20, "second": 27}
